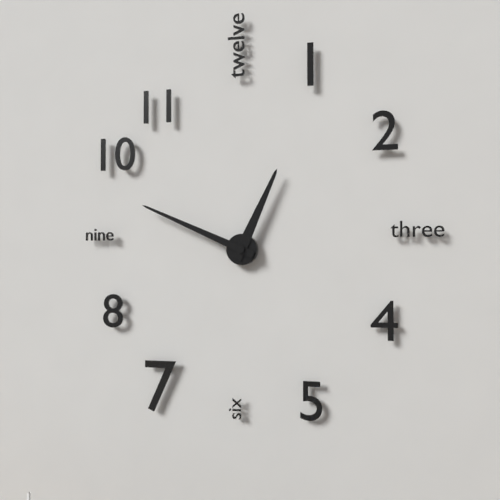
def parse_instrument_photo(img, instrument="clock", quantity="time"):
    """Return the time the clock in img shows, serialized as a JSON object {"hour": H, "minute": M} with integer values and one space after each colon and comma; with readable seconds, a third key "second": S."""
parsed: {"hour": 12, "minute": 49}
